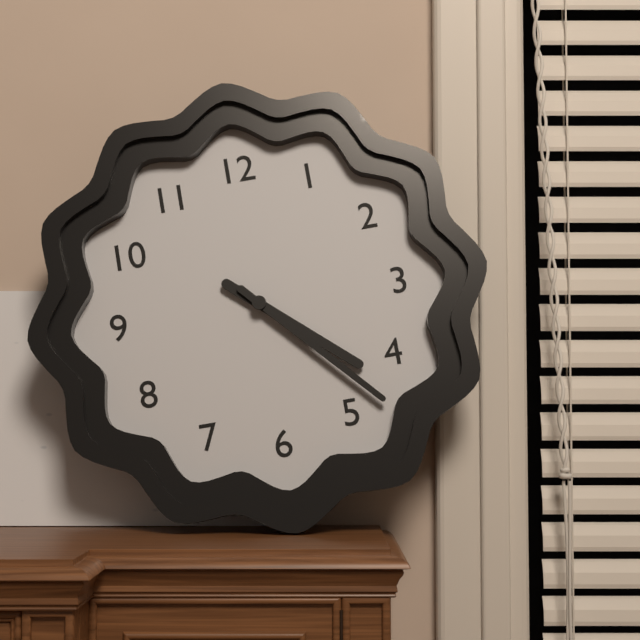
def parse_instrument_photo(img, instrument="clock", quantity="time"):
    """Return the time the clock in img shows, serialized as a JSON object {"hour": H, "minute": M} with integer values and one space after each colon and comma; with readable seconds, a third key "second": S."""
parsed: {"hour": 4, "minute": 23}
